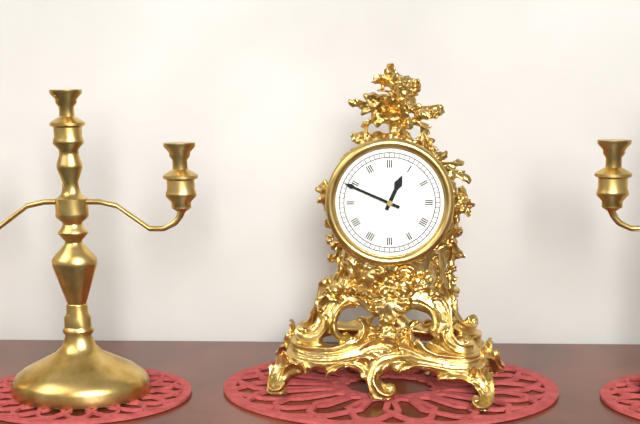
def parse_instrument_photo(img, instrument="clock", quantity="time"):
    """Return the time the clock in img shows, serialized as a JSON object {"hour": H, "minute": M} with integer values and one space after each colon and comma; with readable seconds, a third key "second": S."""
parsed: {"hour": 12, "minute": 49}
